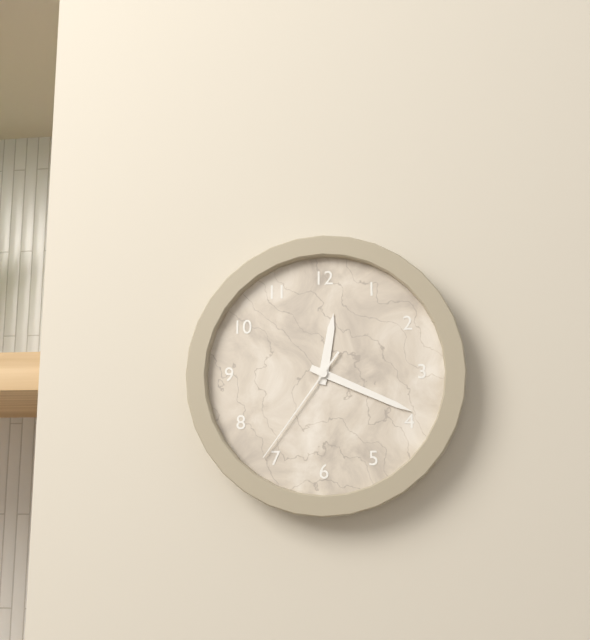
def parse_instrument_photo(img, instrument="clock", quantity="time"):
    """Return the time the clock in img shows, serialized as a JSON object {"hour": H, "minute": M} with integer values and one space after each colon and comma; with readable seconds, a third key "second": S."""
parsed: {"hour": 12, "minute": 19, "second": 36}
